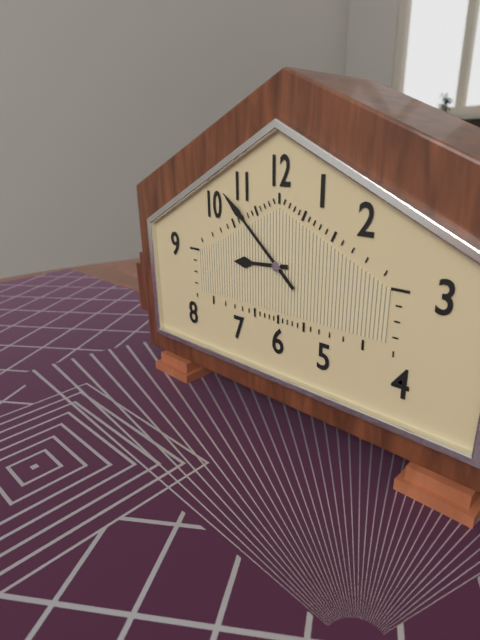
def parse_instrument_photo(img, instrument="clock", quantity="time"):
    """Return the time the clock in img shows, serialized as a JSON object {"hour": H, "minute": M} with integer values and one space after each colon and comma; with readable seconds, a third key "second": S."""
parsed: {"hour": 8, "minute": 52}
